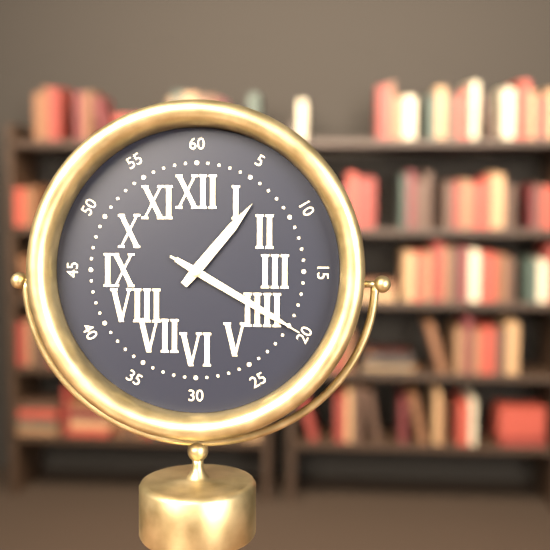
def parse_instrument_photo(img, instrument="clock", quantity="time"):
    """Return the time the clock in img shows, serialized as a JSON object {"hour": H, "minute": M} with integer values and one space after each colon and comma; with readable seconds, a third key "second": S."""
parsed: {"hour": 1, "minute": 20, "second": 20}
